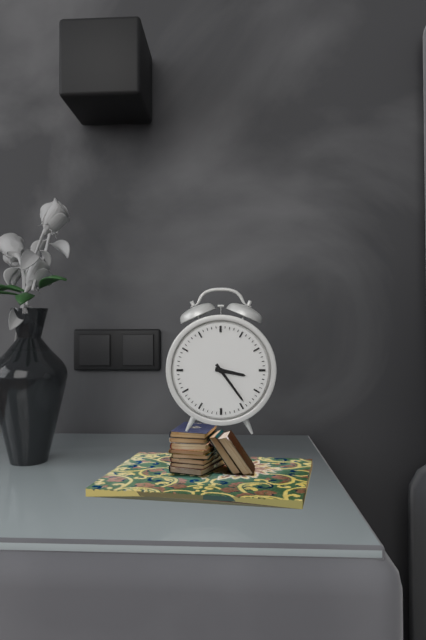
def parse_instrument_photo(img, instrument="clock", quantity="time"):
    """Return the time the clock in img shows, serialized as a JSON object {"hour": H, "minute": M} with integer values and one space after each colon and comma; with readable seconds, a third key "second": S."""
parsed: {"hour": 3, "minute": 24}
